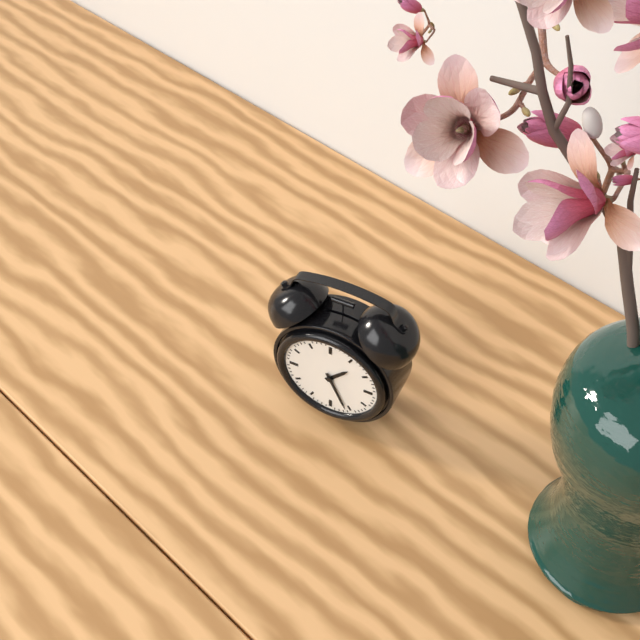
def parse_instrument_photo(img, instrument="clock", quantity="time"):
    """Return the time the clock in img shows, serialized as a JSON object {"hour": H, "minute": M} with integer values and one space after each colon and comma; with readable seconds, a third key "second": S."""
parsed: {"hour": 1, "minute": 26}
